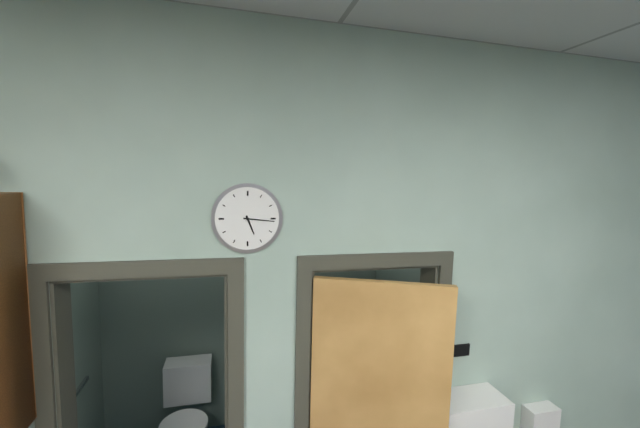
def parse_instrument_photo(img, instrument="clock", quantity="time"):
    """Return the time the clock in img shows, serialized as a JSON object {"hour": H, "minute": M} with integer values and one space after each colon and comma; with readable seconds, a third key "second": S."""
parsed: {"hour": 5, "minute": 16}
